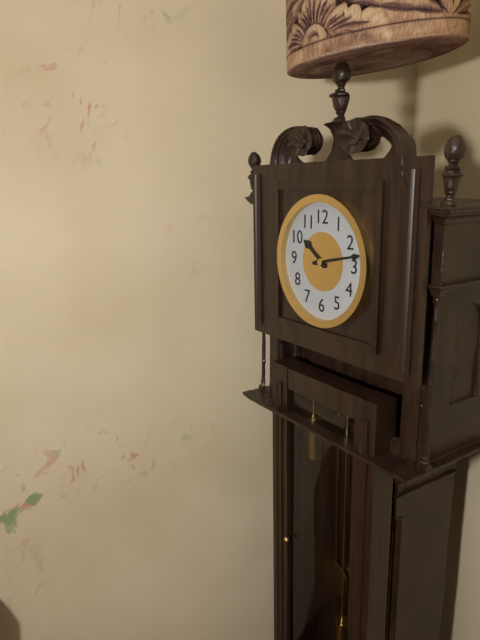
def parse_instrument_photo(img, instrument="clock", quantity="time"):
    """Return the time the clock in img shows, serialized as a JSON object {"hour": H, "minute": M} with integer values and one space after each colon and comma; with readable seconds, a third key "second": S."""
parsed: {"hour": 10, "minute": 13}
